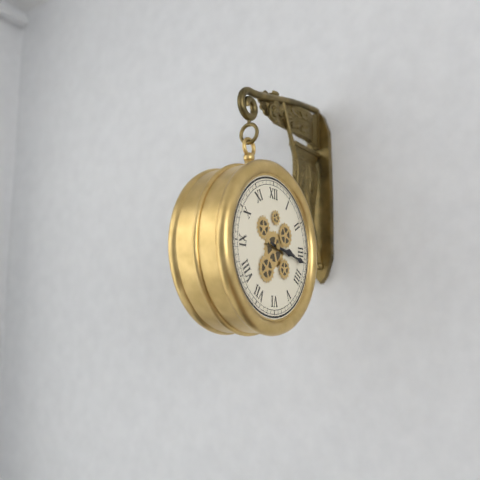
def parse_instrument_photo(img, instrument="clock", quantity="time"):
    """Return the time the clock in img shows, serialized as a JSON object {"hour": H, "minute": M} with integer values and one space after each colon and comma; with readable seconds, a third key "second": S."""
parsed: {"hour": 3, "minute": 17}
